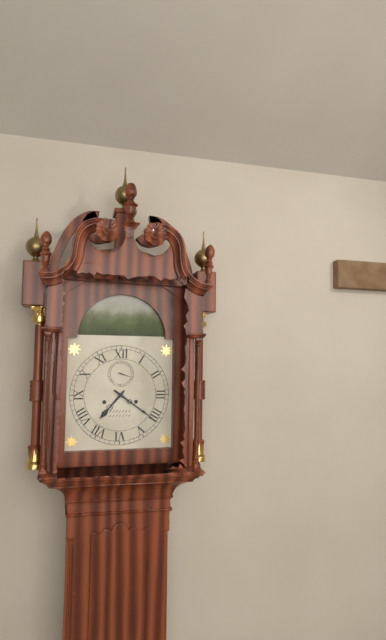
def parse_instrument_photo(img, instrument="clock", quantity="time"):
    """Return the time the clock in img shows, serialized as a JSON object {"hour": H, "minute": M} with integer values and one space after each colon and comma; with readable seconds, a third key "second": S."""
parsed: {"hour": 7, "minute": 21}
